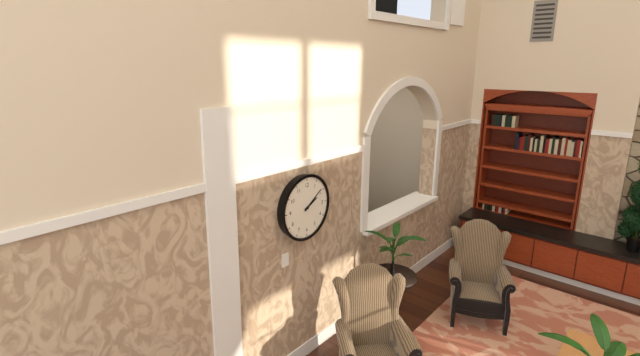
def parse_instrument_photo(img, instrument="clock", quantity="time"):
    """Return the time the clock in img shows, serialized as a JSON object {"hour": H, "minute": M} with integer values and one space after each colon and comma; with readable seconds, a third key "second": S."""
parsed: {"hour": 2, "minute": 9}
